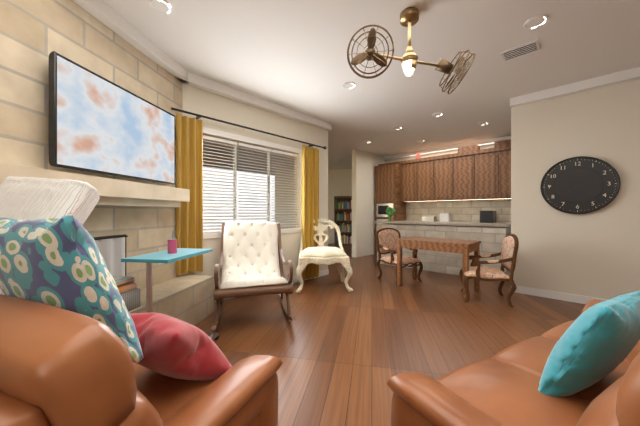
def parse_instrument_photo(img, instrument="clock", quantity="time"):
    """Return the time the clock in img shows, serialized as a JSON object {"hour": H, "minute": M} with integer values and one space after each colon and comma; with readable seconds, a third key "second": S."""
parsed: {"hour": 7, "minute": 53}
